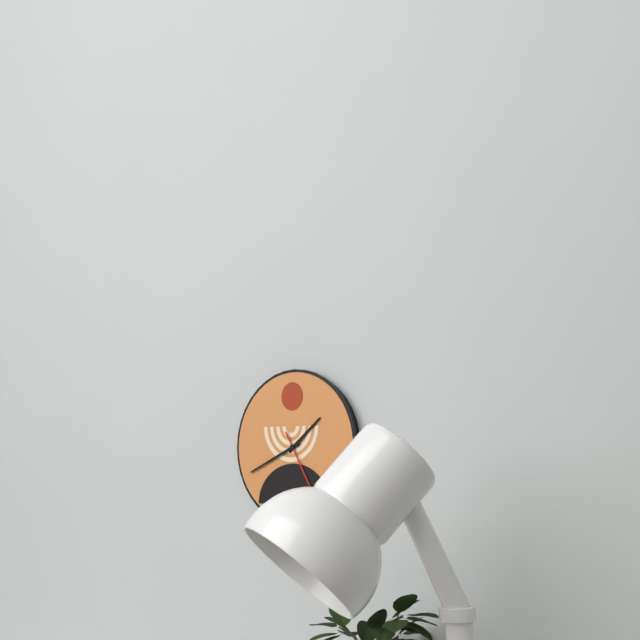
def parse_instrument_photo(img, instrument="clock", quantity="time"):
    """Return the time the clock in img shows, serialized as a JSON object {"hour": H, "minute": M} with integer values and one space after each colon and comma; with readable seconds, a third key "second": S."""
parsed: {"hour": 1, "minute": 41, "second": 25}
